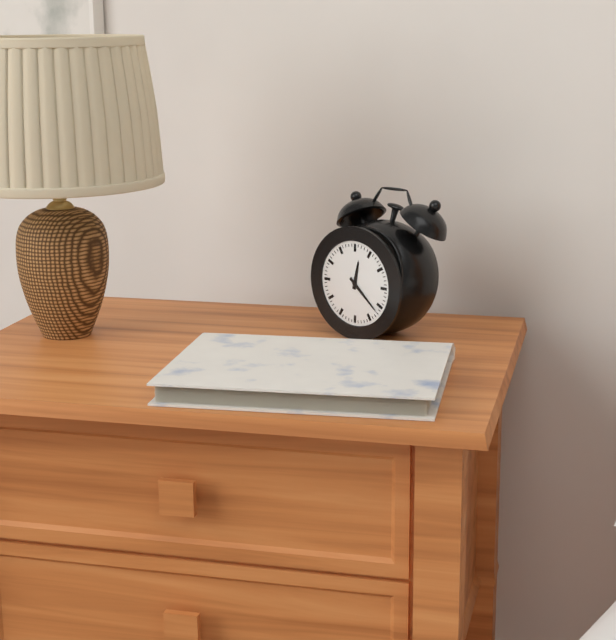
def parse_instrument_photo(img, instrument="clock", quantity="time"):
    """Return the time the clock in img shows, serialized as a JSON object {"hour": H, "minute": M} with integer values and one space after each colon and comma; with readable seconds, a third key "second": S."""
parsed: {"hour": 12, "minute": 22}
